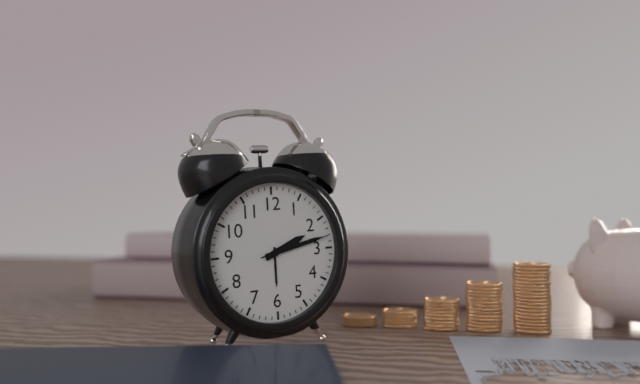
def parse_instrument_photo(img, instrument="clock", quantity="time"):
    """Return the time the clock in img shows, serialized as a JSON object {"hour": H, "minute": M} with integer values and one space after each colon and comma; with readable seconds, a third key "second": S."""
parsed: {"hour": 2, "minute": 13, "second": 13}
